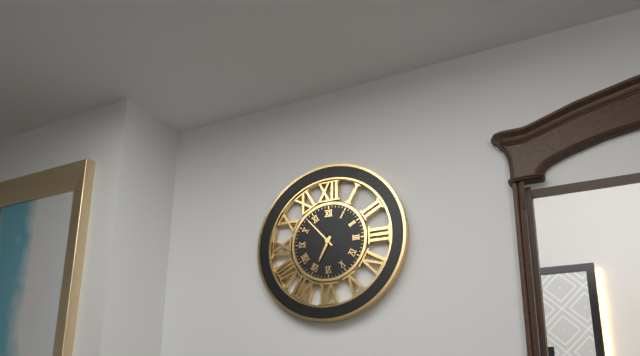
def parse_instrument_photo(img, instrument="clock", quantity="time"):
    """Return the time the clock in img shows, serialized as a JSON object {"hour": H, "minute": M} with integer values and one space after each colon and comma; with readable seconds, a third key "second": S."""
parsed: {"hour": 6, "minute": 53}
